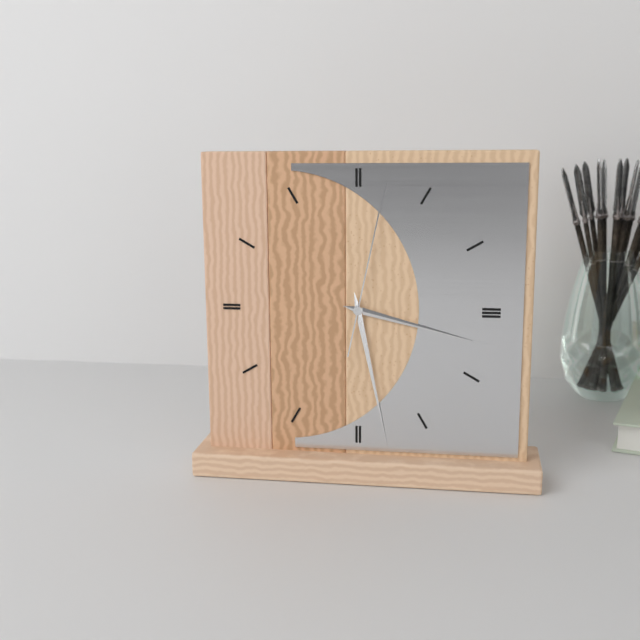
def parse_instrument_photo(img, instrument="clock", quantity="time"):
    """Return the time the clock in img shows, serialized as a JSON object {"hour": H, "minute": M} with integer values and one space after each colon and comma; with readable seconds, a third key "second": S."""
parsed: {"hour": 3, "minute": 28, "second": 2}
